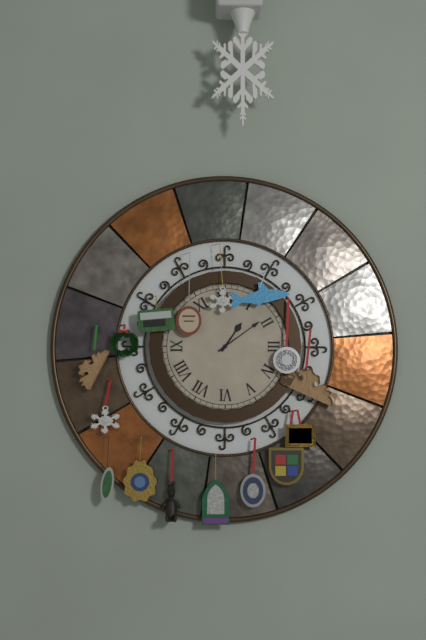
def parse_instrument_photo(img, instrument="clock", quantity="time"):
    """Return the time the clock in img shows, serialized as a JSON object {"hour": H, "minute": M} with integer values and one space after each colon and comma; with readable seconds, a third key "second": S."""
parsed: {"hour": 1, "minute": 9}
